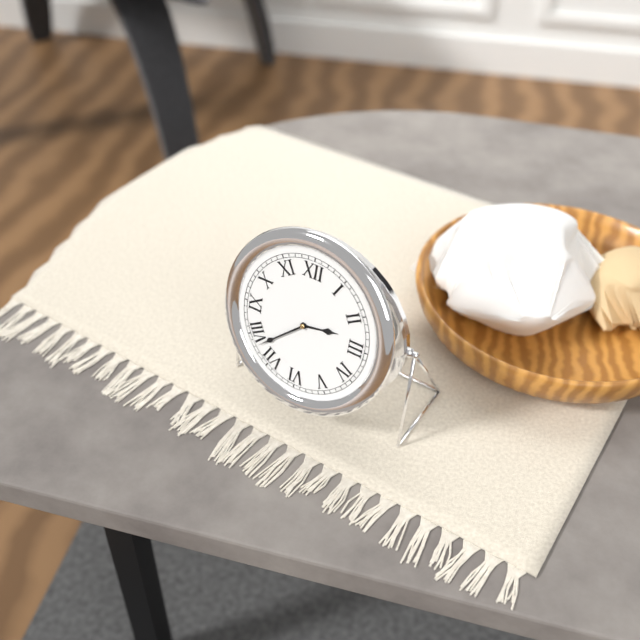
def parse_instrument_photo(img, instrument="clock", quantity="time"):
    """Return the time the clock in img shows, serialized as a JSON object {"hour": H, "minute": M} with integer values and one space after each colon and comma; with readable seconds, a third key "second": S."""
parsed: {"hour": 2, "minute": 38}
